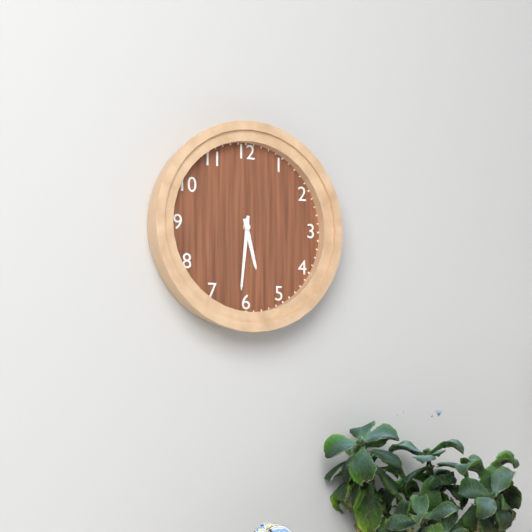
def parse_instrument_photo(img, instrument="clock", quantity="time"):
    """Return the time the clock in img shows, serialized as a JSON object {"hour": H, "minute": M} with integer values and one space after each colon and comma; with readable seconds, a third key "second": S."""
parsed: {"hour": 5, "minute": 31}
